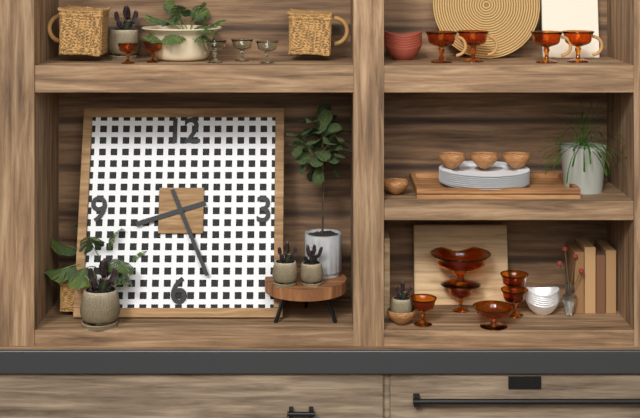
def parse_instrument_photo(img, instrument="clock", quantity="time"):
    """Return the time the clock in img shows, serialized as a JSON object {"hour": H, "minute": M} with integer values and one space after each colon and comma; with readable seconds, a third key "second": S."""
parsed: {"hour": 8, "minute": 26}
